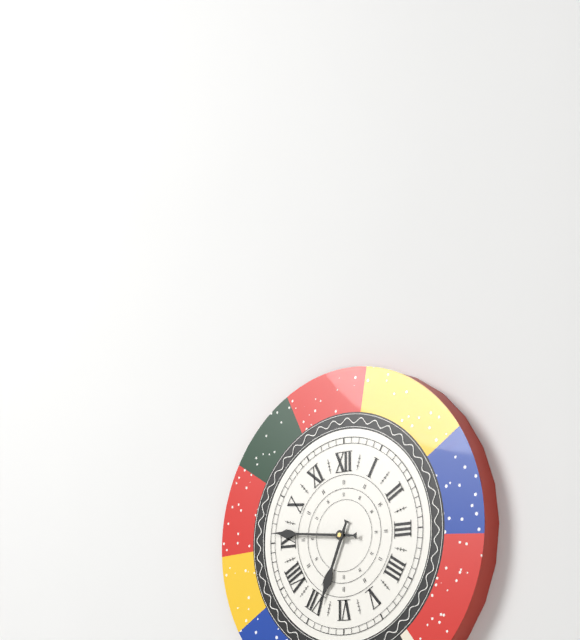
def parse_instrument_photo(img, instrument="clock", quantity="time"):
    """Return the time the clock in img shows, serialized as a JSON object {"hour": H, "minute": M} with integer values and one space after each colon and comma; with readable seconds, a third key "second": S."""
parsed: {"hour": 6, "minute": 46}
